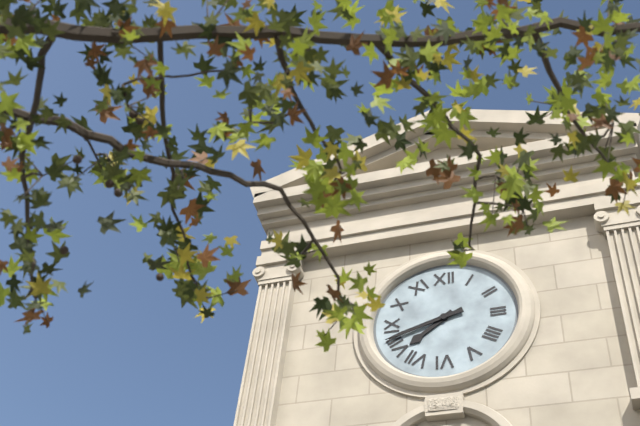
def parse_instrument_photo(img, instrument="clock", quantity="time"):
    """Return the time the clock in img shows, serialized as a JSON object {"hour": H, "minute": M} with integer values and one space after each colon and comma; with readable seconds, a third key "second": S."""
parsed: {"hour": 7, "minute": 42}
